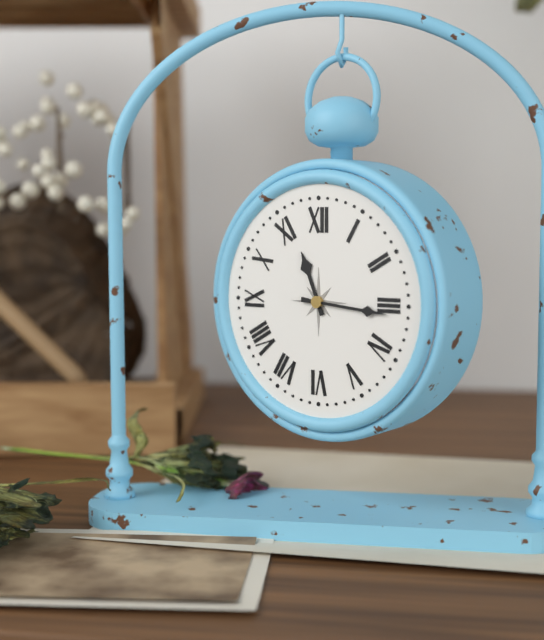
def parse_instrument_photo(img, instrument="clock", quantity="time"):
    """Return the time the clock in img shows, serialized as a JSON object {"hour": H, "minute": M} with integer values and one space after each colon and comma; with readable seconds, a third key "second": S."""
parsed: {"hour": 11, "minute": 16}
